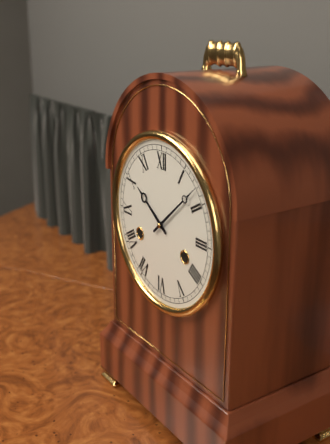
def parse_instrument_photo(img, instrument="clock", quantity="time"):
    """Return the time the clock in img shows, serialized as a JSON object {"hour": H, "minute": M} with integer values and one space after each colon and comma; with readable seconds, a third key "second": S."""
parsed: {"hour": 10, "minute": 8}
